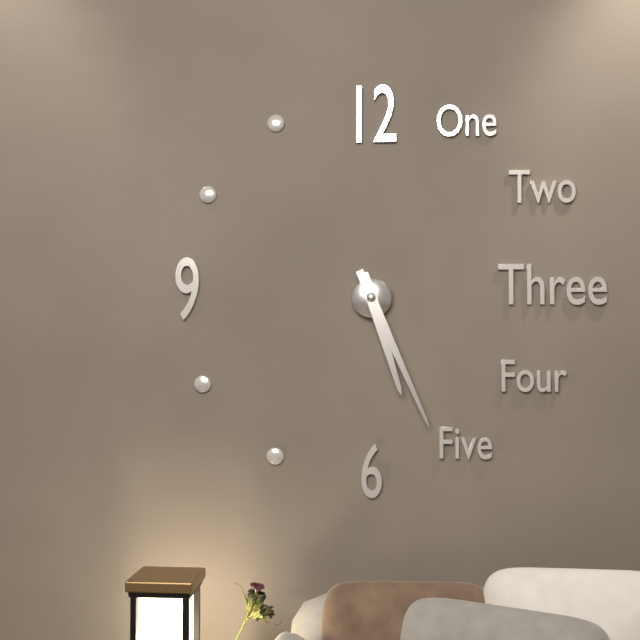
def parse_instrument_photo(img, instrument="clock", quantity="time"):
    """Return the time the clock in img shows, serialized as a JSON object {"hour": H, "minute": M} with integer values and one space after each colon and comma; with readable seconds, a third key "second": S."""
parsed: {"hour": 5, "minute": 26}
